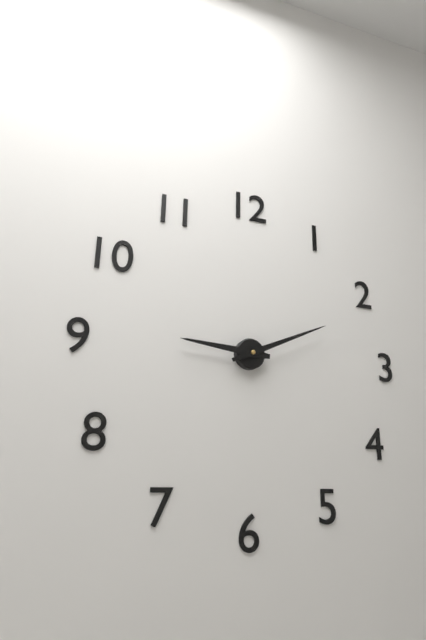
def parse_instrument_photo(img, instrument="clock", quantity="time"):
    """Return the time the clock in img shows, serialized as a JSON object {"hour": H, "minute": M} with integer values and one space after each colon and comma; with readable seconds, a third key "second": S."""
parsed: {"hour": 9, "minute": 11}
